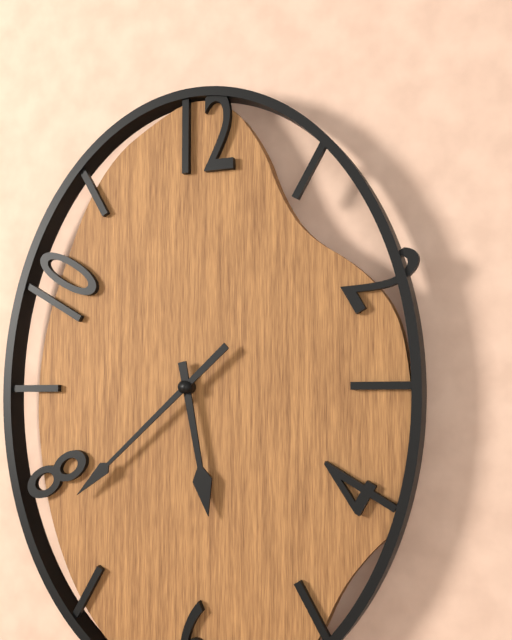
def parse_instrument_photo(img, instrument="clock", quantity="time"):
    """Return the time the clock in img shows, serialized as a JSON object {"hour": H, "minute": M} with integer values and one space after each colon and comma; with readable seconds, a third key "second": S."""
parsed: {"hour": 5, "minute": 38}
